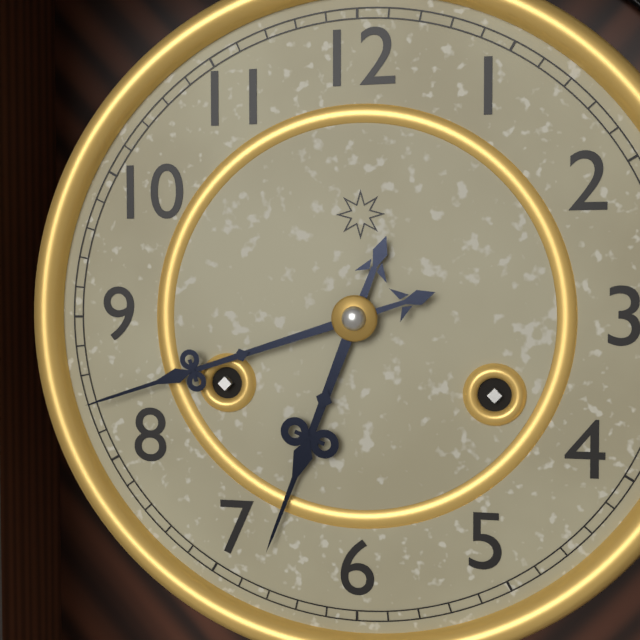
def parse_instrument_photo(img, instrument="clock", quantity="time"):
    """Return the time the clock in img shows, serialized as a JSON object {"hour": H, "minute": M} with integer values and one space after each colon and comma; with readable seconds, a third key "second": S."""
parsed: {"hour": 6, "minute": 42}
